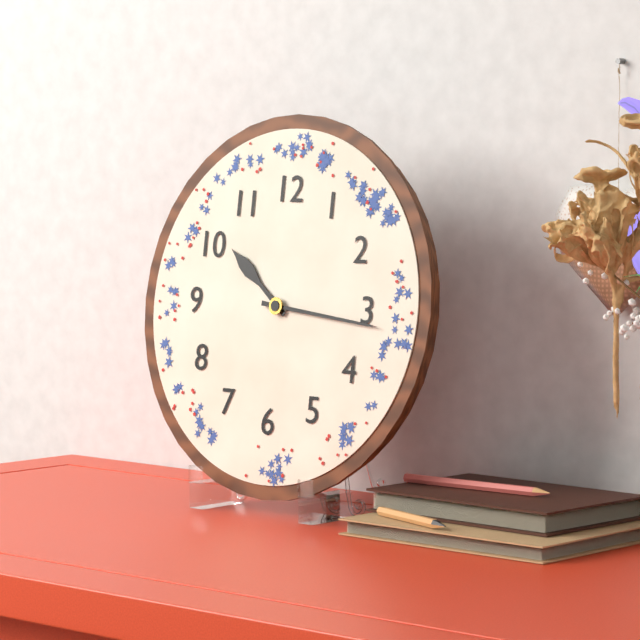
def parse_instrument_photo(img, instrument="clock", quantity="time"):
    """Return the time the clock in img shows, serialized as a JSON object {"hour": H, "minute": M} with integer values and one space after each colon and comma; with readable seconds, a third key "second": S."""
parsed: {"hour": 10, "minute": 16}
